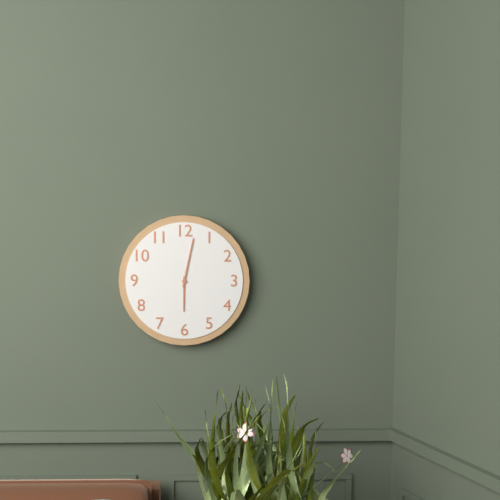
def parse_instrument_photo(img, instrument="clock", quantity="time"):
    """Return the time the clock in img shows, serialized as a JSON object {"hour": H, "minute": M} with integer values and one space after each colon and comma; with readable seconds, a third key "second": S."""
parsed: {"hour": 6, "minute": 2}
